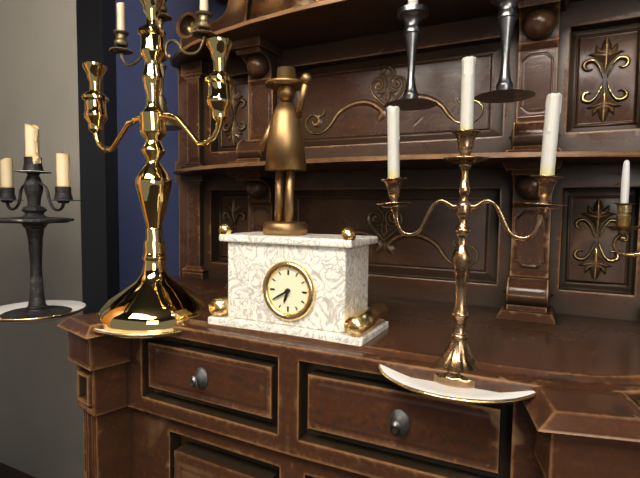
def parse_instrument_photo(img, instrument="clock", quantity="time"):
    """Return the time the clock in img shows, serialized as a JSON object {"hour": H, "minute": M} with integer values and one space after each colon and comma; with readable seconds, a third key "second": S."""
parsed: {"hour": 6, "minute": 40}
